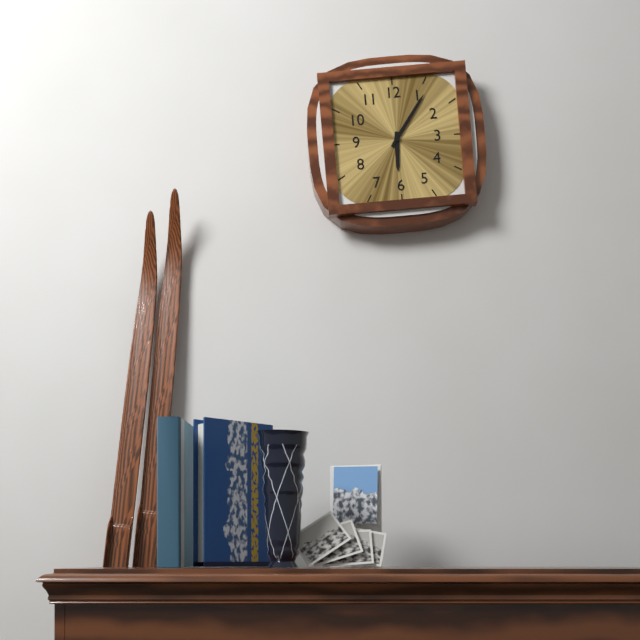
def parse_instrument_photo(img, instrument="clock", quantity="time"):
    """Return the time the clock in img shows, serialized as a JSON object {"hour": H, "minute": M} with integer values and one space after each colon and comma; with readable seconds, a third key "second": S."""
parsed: {"hour": 6, "minute": 6}
